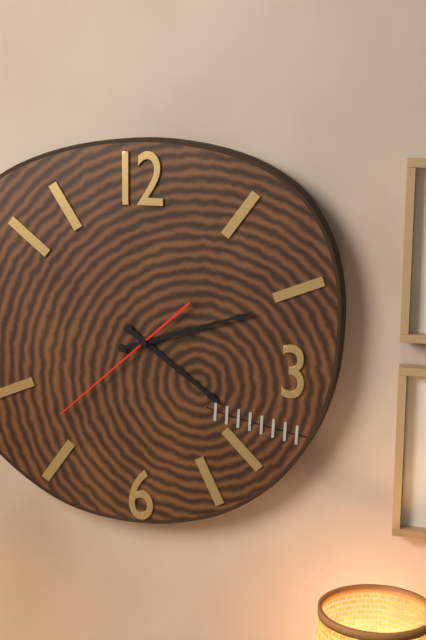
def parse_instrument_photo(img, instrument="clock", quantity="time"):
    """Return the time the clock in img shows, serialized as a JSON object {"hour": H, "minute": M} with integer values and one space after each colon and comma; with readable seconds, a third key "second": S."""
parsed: {"hour": 4, "minute": 12, "second": 38}
